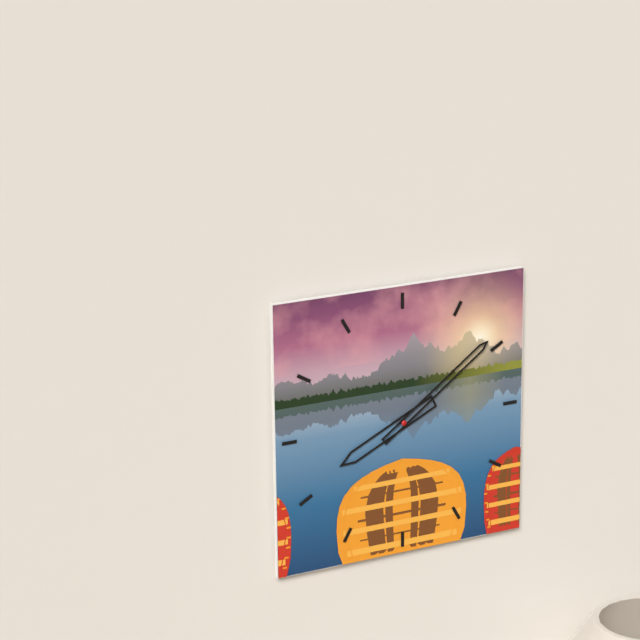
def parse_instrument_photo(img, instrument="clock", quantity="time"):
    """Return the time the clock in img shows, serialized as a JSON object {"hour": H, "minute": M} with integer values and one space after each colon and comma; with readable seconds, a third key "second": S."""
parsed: {"hour": 8, "minute": 9}
